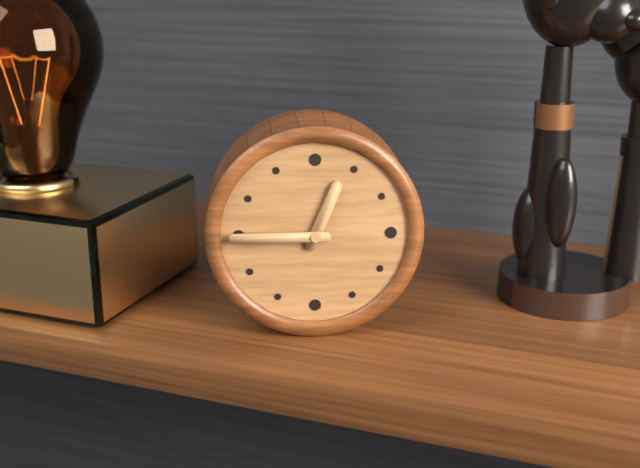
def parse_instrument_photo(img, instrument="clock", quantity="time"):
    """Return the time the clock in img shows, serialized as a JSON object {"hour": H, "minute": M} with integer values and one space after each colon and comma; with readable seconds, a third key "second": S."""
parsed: {"hour": 12, "minute": 45}
